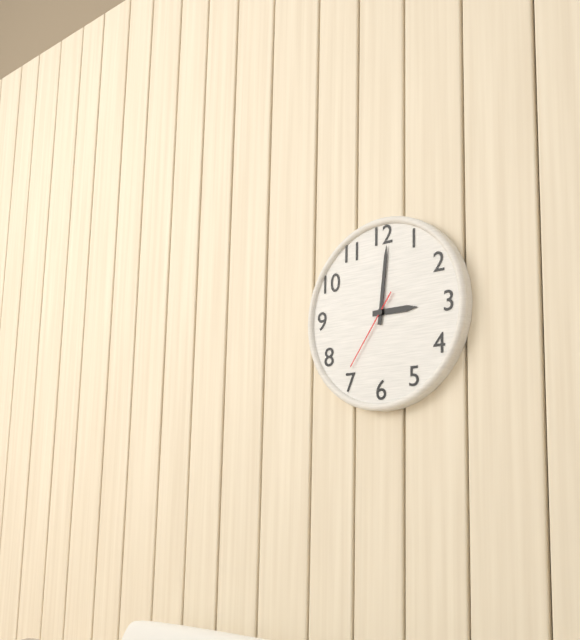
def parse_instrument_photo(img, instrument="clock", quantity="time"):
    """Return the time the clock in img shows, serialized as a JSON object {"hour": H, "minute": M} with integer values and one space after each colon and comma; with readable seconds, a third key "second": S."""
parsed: {"hour": 3, "minute": 1, "second": 36}
